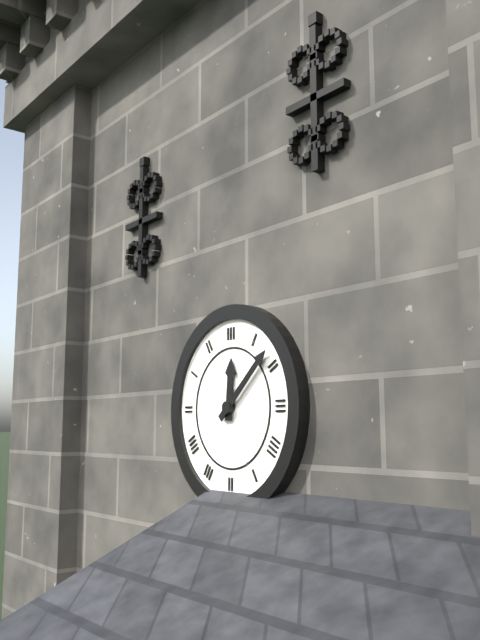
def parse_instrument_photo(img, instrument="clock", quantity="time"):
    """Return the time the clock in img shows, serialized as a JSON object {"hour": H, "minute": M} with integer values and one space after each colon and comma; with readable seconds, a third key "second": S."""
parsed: {"hour": 12, "minute": 8}
